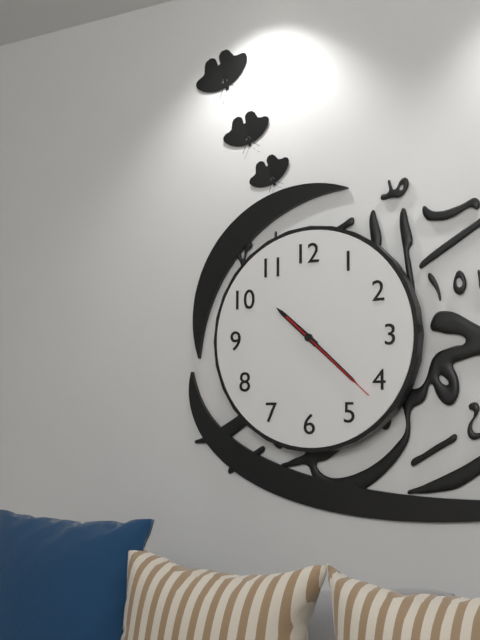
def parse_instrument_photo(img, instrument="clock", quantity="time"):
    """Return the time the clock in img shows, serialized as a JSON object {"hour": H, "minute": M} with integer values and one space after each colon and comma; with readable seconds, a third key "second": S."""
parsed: {"hour": 10, "minute": 22, "second": 22}
